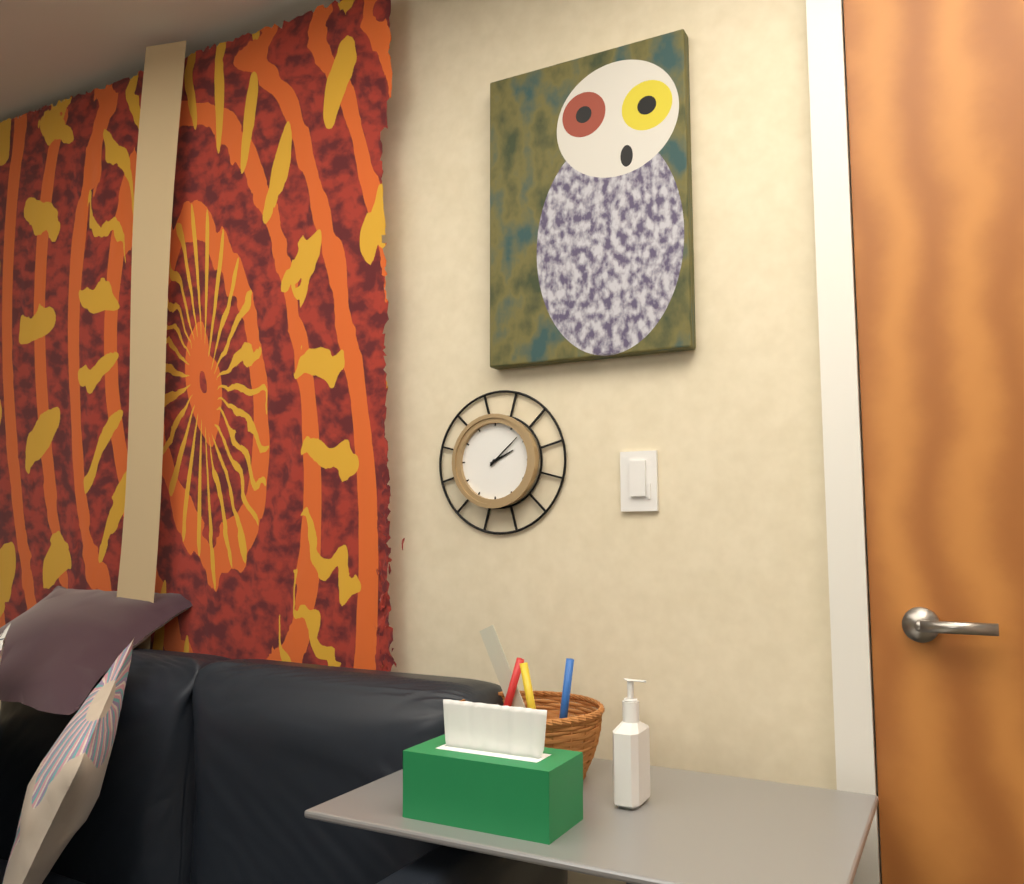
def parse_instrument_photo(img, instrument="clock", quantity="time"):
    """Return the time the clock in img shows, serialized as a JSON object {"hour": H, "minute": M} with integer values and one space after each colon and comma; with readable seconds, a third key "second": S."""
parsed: {"hour": 2, "minute": 8}
